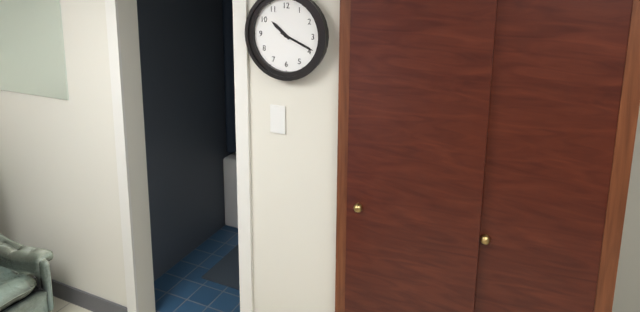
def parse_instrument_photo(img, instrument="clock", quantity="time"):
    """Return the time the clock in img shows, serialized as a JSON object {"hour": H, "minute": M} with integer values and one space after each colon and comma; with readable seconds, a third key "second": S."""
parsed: {"hour": 10, "minute": 19}
